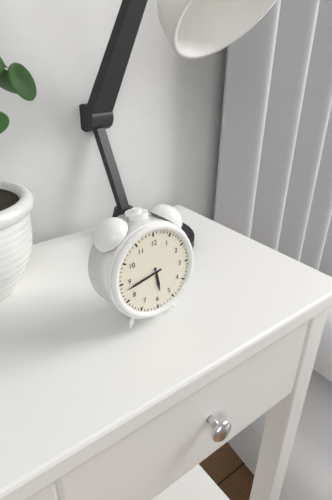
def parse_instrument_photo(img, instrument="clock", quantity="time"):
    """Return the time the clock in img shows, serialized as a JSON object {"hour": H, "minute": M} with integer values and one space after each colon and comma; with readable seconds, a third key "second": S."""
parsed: {"hour": 5, "minute": 43}
